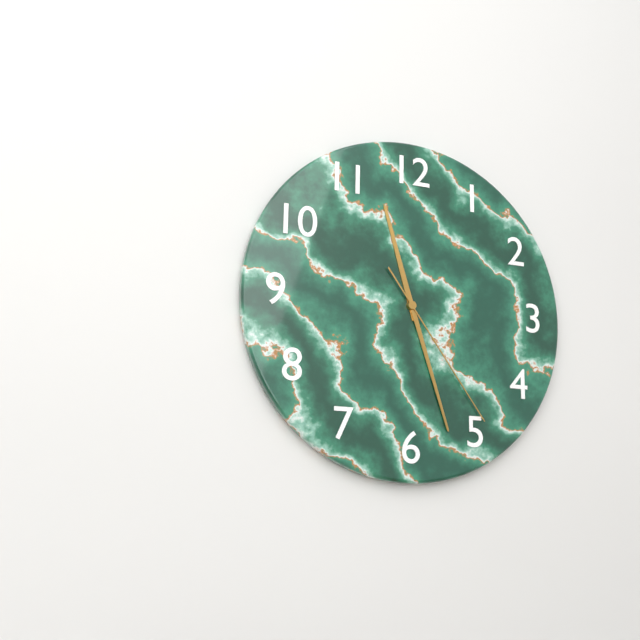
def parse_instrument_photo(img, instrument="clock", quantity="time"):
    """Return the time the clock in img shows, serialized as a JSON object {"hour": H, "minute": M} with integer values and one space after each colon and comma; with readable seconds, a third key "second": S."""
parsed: {"hour": 11, "minute": 27, "second": 24}
